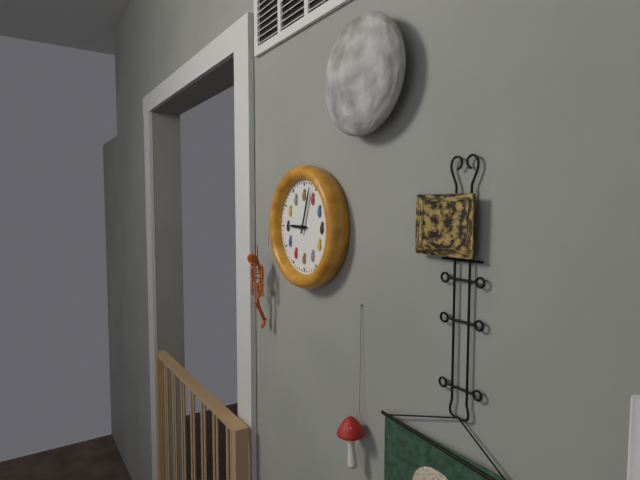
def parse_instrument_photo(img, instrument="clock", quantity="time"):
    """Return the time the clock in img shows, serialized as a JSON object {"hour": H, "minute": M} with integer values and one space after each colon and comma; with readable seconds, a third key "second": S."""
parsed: {"hour": 9, "minute": 3}
